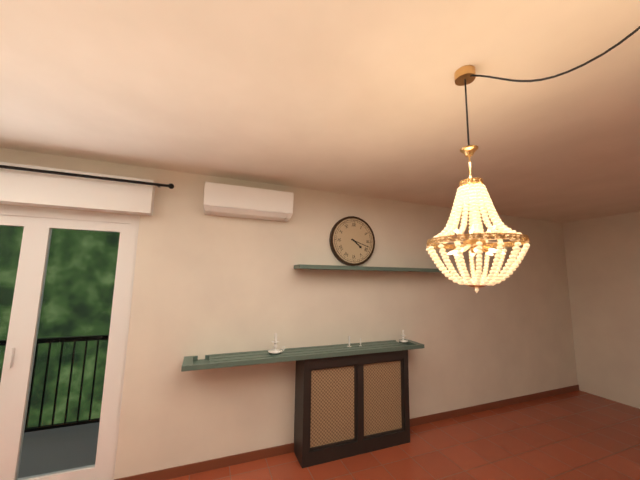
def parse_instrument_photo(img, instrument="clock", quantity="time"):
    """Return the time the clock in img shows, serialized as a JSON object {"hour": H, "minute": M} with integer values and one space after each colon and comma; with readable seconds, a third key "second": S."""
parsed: {"hour": 4, "minute": 18}
